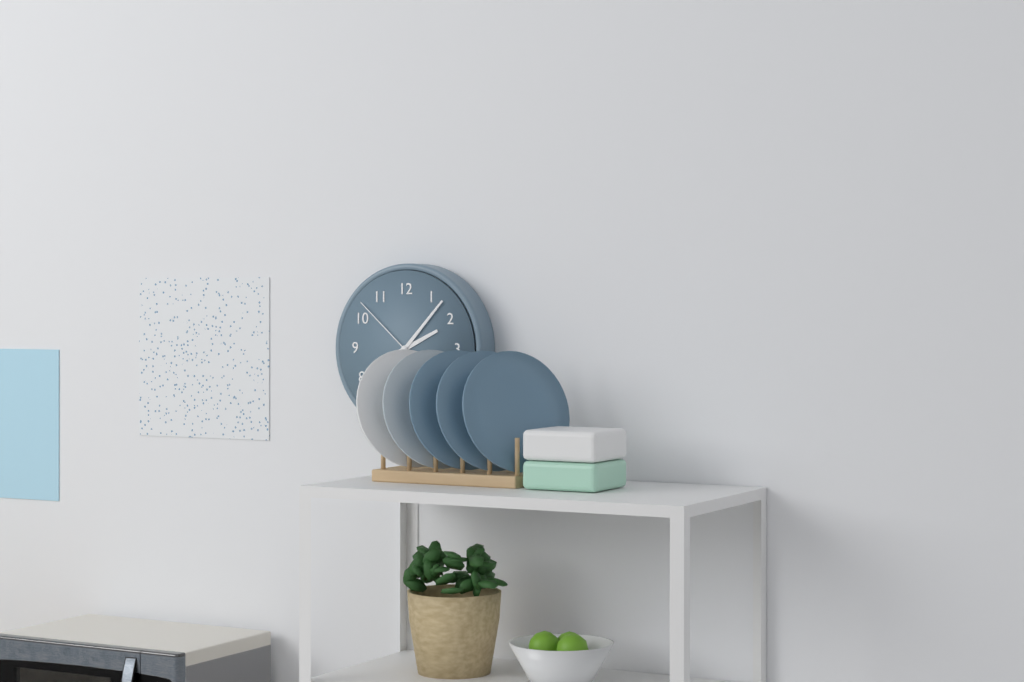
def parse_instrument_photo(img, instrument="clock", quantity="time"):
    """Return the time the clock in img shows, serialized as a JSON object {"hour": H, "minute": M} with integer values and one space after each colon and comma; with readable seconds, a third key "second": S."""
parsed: {"hour": 2, "minute": 7, "second": 52}
